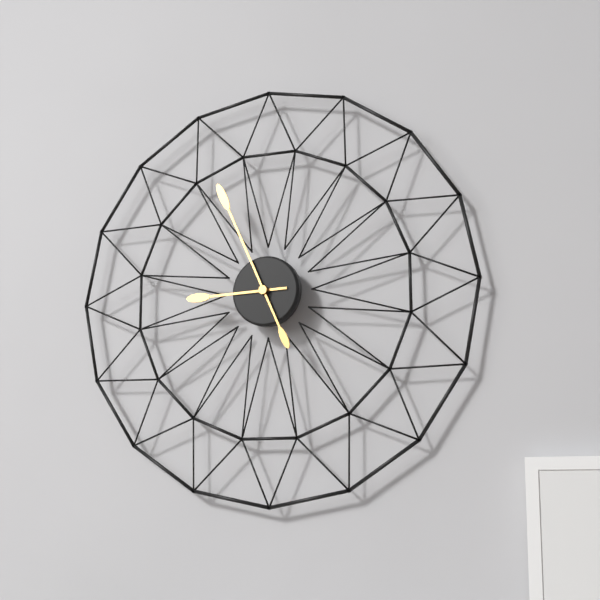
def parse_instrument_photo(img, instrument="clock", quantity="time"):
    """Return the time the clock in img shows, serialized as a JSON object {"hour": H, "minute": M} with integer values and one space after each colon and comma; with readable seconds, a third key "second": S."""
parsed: {"hour": 8, "minute": 56}
